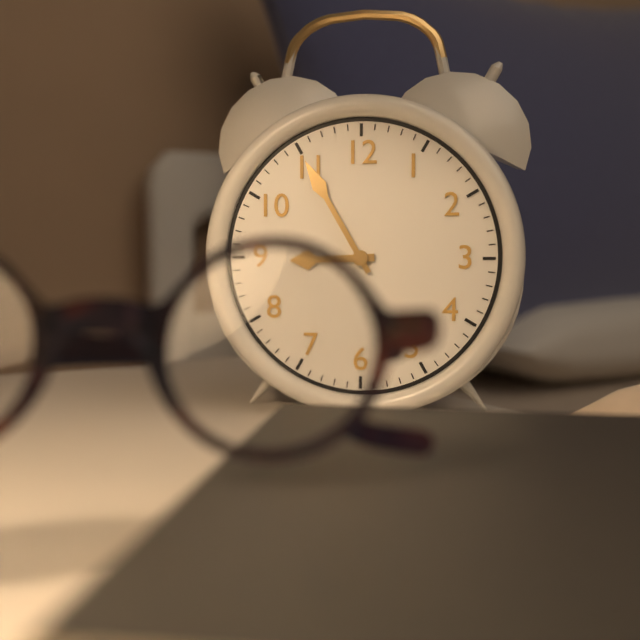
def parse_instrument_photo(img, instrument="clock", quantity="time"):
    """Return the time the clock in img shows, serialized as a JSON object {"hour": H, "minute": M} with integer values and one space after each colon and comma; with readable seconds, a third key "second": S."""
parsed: {"hour": 8, "minute": 55}
